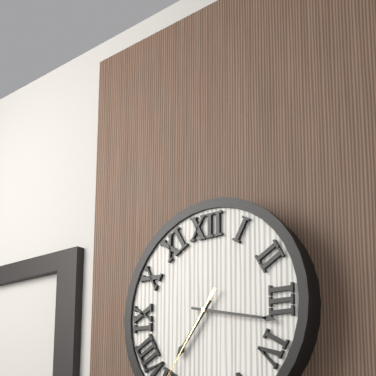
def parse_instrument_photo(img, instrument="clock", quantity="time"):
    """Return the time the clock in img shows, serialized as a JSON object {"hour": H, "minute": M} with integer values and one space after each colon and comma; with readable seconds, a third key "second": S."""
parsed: {"hour": 7, "minute": 17}
